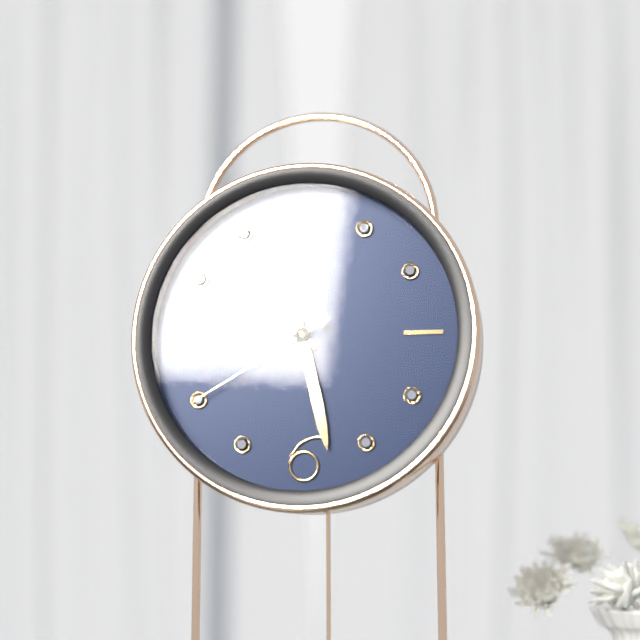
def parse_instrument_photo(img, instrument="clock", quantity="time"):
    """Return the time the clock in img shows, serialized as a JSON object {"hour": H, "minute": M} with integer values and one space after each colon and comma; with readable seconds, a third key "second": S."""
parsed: {"hour": 10, "minute": 28, "second": 40}
